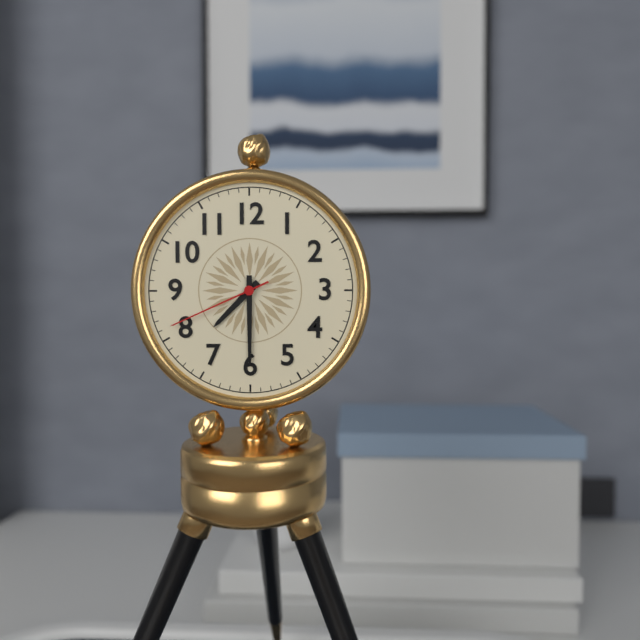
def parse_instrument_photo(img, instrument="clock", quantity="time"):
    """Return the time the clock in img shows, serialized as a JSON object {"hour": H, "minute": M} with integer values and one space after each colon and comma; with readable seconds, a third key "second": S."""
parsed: {"hour": 7, "minute": 30, "second": 41}
